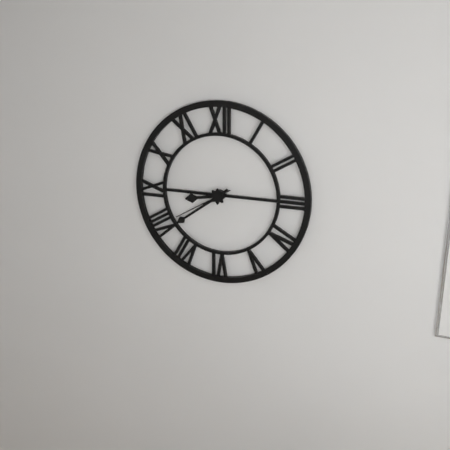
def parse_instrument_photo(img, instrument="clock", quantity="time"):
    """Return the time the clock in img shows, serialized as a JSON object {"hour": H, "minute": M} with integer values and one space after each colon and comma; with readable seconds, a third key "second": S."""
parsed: {"hour": 8, "minute": 39, "second": 40}
